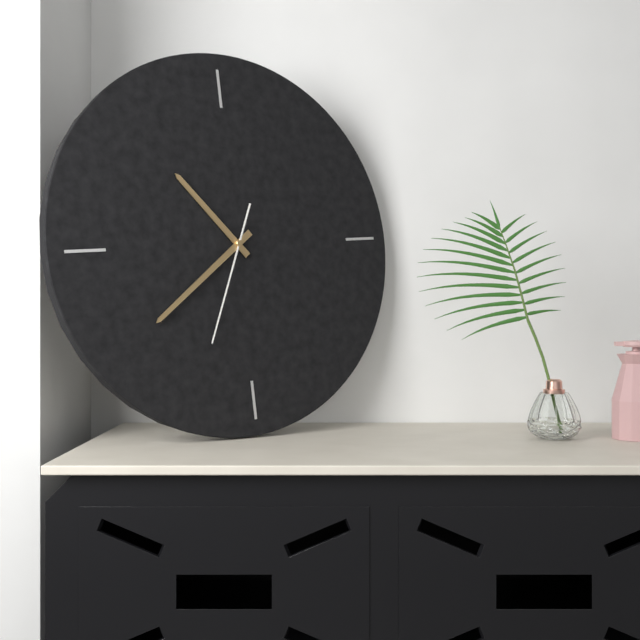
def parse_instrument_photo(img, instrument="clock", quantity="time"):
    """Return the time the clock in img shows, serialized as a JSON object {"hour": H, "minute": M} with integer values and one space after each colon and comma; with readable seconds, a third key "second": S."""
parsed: {"hour": 10, "minute": 39, "second": 34}
